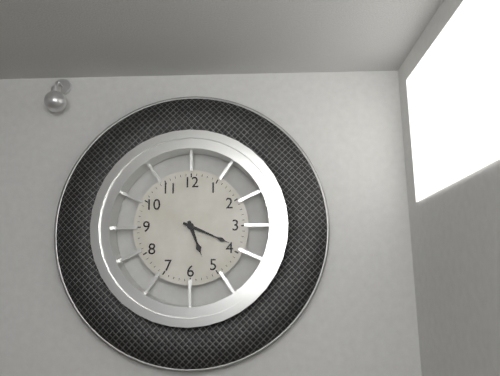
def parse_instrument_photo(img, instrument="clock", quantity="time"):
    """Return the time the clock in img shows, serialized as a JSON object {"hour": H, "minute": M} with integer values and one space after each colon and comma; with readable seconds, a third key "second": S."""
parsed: {"hour": 5, "minute": 19}
